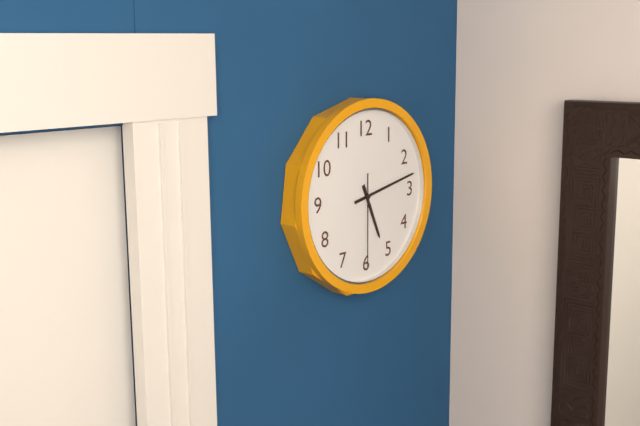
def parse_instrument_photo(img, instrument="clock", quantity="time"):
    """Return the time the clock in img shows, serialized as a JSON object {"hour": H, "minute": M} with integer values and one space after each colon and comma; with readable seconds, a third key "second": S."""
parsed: {"hour": 5, "minute": 13, "second": 30}
